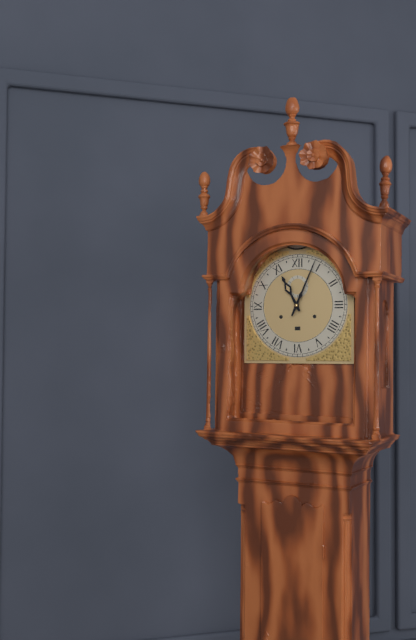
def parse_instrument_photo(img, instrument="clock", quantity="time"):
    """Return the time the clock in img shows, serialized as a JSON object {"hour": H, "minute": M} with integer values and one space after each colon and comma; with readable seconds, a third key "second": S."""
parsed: {"hour": 11, "minute": 4}
